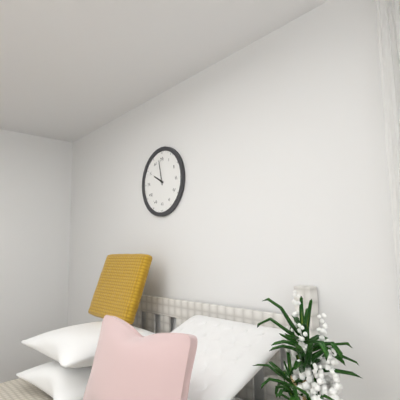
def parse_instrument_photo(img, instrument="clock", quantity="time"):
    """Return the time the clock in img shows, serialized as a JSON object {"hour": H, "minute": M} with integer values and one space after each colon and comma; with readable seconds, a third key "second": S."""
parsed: {"hour": 9, "minute": 58}
